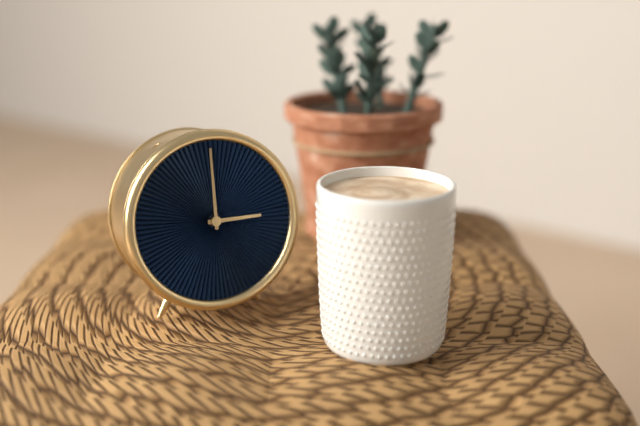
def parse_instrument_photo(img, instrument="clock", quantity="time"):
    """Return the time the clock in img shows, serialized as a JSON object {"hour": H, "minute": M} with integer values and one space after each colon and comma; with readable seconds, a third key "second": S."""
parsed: {"hour": 3, "minute": 0}
